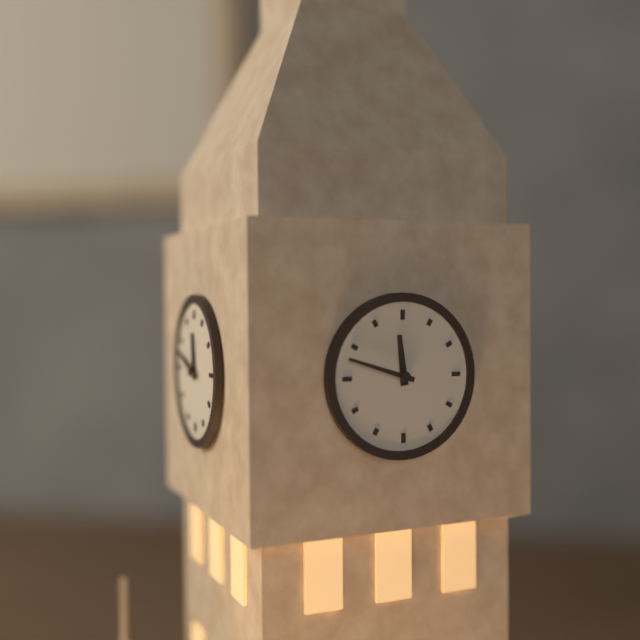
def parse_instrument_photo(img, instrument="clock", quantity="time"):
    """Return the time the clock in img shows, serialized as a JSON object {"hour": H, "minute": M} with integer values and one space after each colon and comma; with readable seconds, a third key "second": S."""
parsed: {"hour": 11, "minute": 48}
